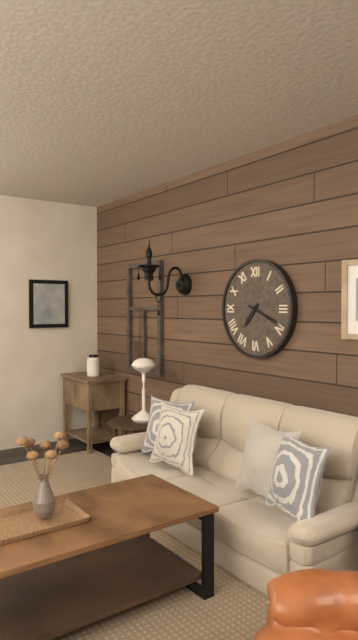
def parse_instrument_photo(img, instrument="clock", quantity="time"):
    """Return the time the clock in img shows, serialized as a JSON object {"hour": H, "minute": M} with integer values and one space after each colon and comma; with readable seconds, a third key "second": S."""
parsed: {"hour": 7, "minute": 19}
